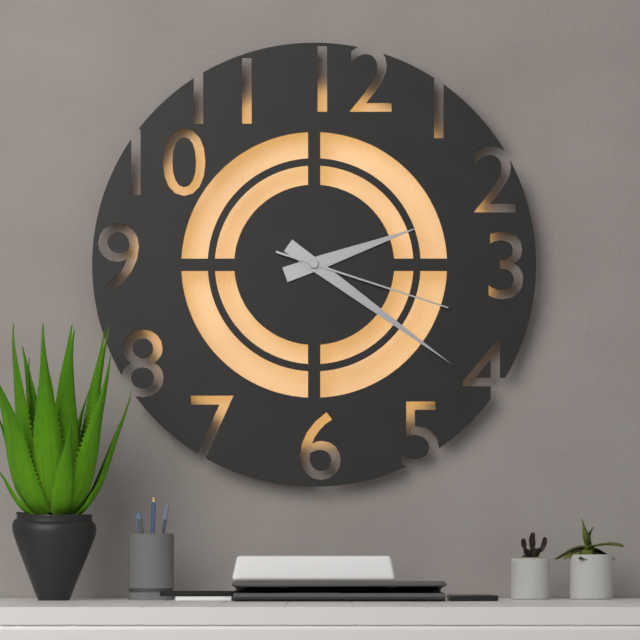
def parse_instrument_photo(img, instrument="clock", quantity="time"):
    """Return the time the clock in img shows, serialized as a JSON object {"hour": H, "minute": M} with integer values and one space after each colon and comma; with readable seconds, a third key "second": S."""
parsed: {"hour": 2, "minute": 21, "second": 18}
